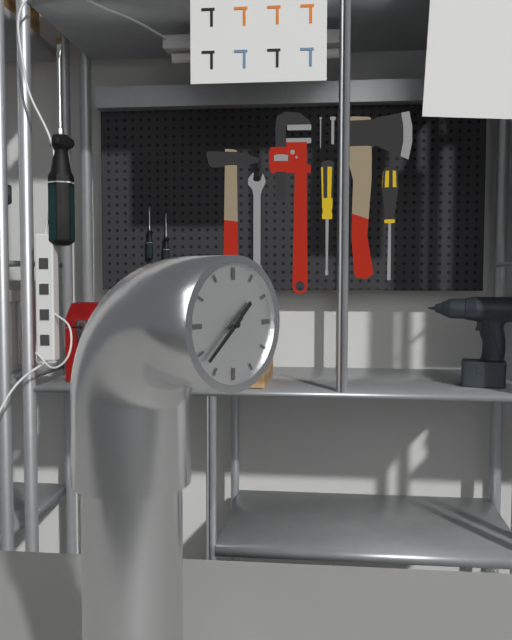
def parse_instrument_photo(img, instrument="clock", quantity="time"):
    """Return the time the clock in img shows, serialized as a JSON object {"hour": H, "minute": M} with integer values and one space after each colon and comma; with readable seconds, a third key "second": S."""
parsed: {"hour": 1, "minute": 38}
